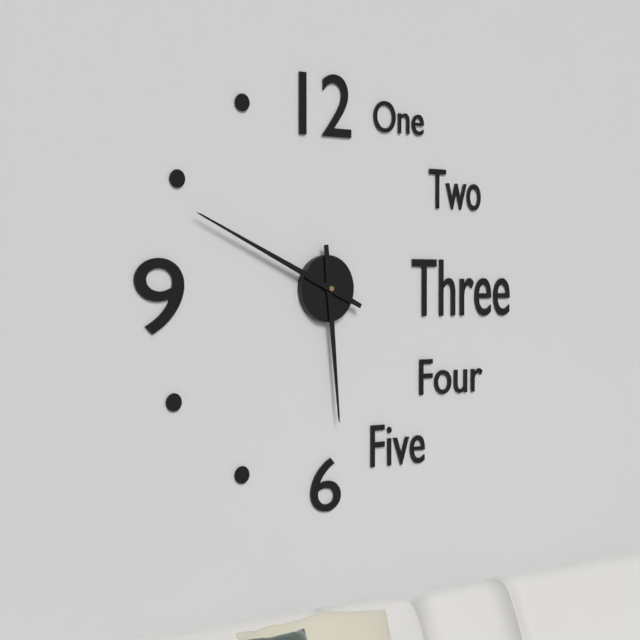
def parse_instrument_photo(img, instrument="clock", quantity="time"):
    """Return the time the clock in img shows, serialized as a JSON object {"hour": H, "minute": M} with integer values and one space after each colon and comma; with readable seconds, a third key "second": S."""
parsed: {"hour": 5, "minute": 49}
